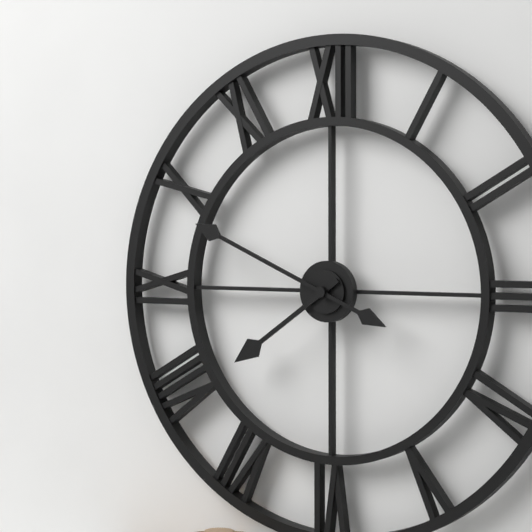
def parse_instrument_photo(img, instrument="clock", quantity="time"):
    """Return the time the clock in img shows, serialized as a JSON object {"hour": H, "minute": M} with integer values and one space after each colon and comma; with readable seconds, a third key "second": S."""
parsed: {"hour": 7, "minute": 49}
